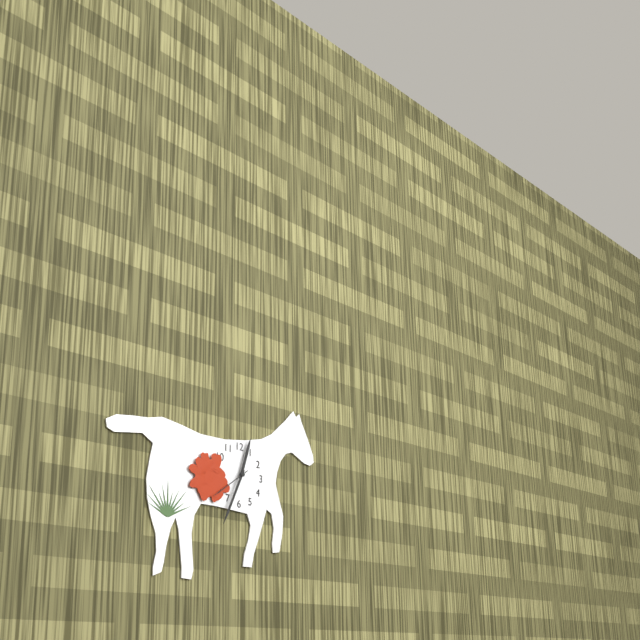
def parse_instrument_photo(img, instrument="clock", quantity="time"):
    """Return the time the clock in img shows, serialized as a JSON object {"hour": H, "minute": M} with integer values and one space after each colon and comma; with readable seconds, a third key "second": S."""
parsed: {"hour": 12, "minute": 34}
